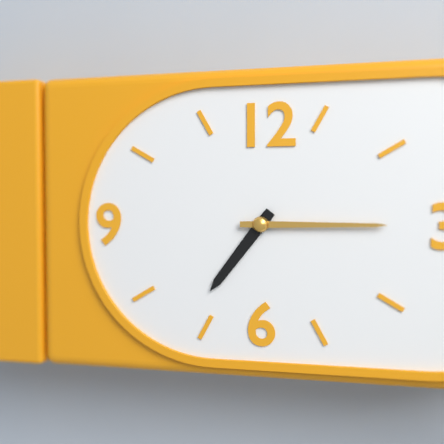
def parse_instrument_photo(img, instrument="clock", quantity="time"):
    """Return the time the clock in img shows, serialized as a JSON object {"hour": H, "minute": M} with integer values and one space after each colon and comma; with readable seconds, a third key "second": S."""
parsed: {"hour": 7, "minute": 15}
